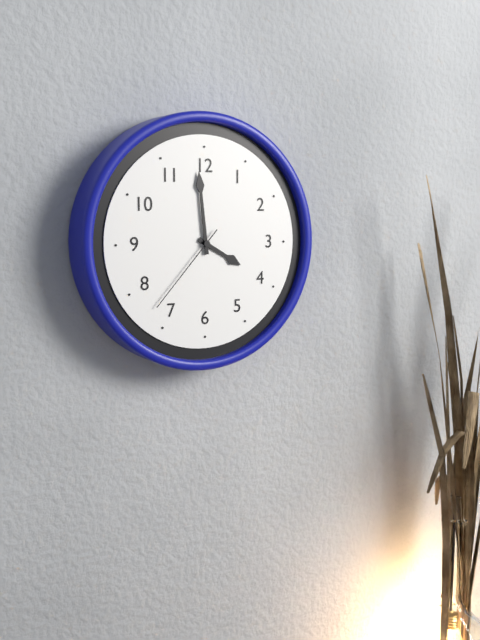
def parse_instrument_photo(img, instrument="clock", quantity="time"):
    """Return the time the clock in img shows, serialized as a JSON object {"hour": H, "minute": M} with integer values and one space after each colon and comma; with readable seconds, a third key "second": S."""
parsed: {"hour": 3, "minute": 59, "second": 37}
